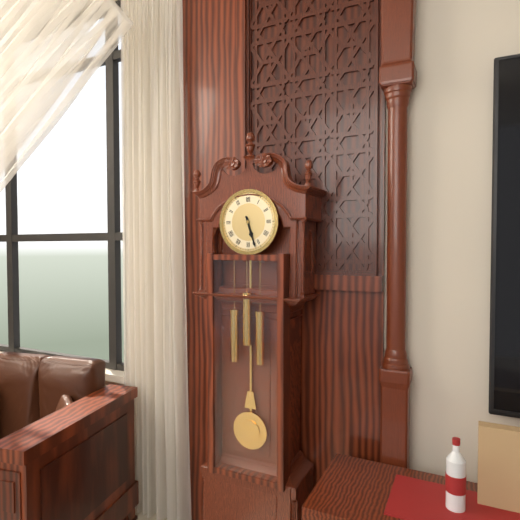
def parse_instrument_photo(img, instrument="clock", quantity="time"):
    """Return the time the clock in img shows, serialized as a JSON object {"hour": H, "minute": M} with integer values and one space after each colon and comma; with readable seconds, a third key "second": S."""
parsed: {"hour": 5, "minute": 27}
